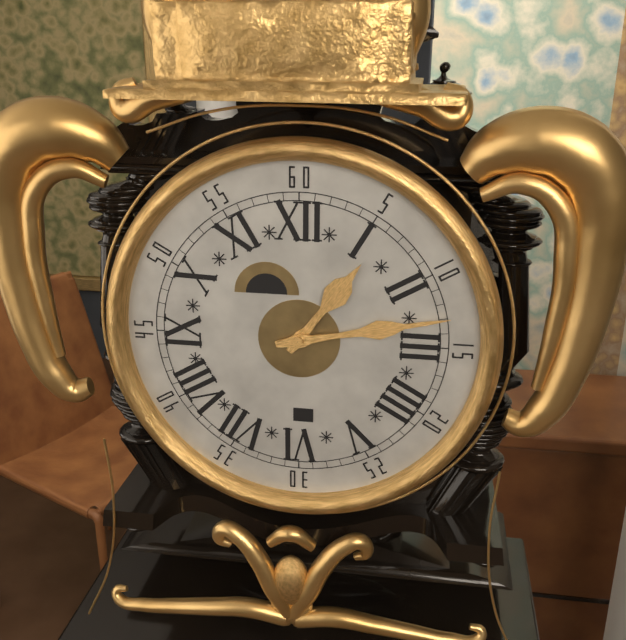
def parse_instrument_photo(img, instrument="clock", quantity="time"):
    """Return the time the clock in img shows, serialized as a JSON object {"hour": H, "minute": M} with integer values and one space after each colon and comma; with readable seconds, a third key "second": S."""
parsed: {"hour": 1, "minute": 13}
